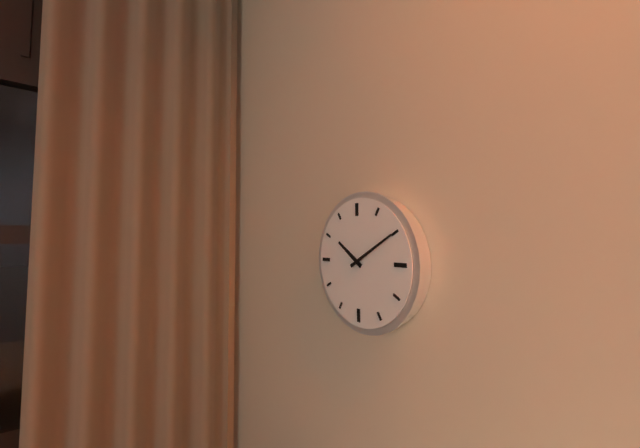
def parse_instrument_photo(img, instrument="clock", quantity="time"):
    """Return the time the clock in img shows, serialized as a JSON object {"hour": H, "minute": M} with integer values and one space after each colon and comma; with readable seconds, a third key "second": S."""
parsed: {"hour": 10, "minute": 10}
